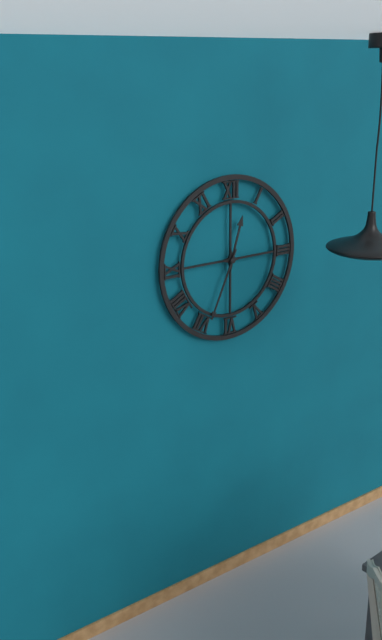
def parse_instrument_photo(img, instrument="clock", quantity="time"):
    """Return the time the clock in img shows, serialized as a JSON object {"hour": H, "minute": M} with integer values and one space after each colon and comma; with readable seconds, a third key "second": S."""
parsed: {"hour": 12, "minute": 34}
